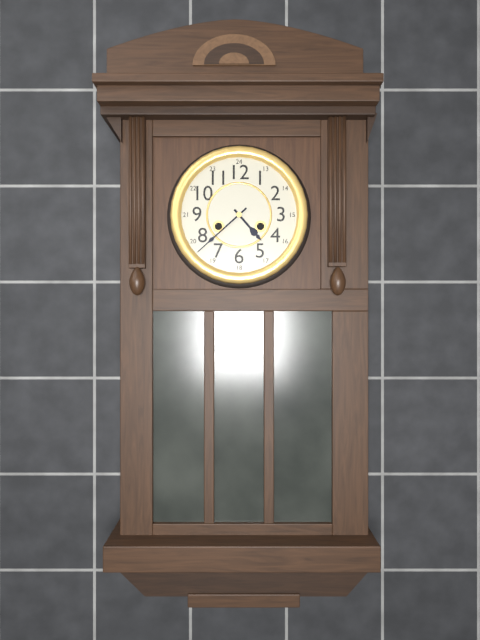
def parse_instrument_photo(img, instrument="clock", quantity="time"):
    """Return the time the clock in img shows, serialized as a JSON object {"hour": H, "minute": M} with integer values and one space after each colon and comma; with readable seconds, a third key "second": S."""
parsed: {"hour": 4, "minute": 38}
